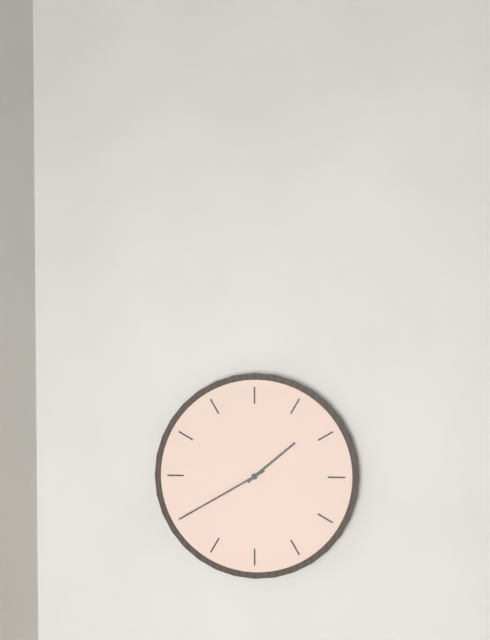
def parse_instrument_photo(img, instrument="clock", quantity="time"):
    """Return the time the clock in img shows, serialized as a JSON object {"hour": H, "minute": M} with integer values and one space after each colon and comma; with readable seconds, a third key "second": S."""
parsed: {"hour": 1, "minute": 40}
